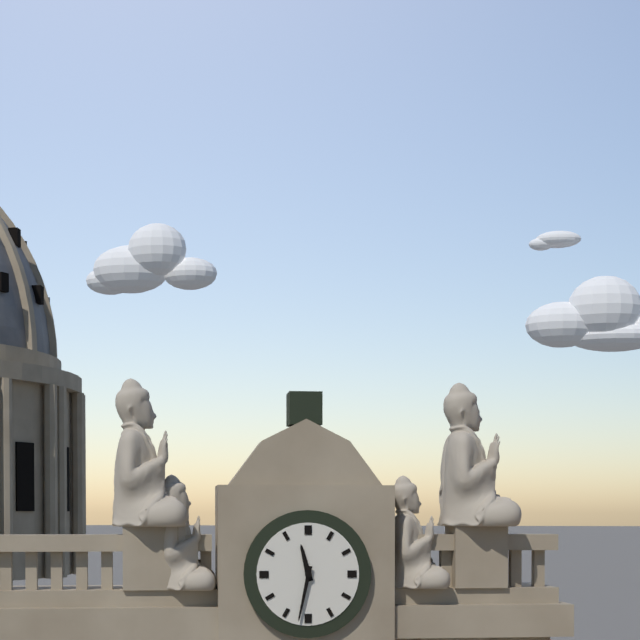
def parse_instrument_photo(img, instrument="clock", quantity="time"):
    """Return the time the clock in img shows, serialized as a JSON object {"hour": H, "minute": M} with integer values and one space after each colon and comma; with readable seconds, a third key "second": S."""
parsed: {"hour": 11, "minute": 32}
